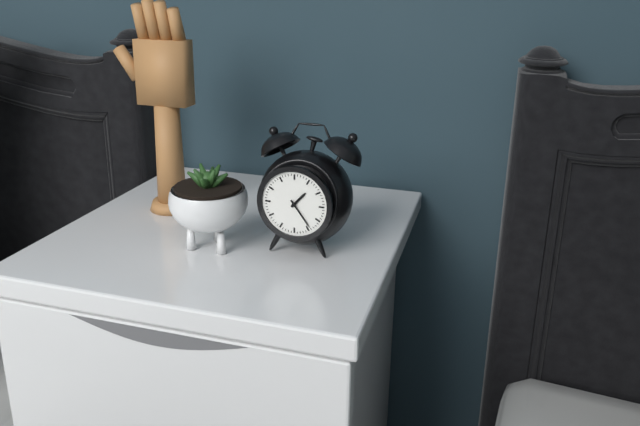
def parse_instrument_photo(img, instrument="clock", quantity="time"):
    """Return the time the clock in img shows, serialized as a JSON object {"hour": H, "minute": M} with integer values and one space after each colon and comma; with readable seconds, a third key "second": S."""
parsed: {"hour": 1, "minute": 24}
